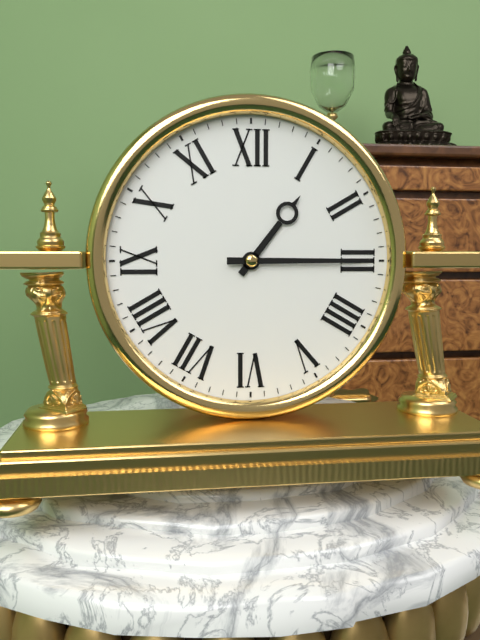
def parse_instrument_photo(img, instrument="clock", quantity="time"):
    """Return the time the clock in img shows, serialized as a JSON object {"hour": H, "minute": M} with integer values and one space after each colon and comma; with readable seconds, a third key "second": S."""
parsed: {"hour": 1, "minute": 15}
